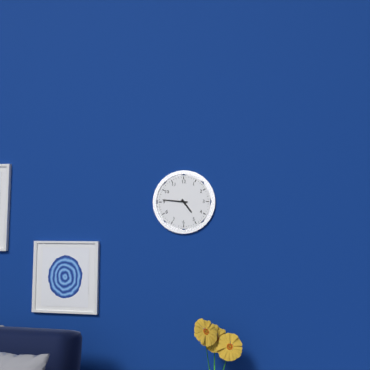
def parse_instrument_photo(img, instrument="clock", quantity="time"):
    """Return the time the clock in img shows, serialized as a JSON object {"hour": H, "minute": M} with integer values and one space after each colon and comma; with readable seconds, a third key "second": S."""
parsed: {"hour": 4, "minute": 46}
